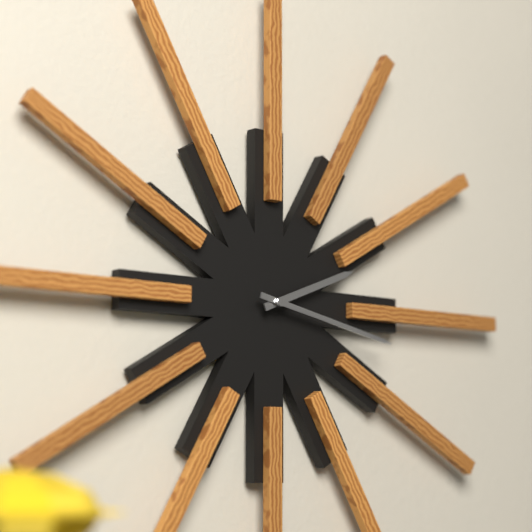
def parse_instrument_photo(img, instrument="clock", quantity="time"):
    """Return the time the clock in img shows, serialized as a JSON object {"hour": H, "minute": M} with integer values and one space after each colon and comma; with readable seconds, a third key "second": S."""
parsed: {"hour": 2, "minute": 17}
